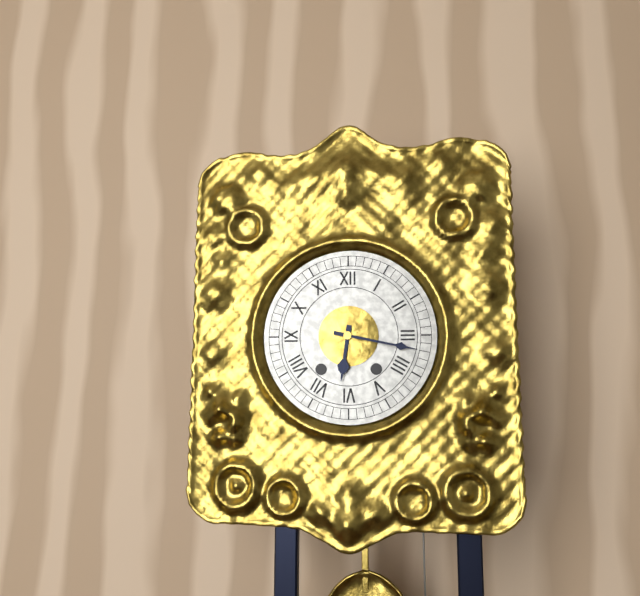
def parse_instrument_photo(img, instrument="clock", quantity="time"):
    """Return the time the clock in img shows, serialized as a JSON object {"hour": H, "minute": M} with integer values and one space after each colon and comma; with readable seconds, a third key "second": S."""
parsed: {"hour": 6, "minute": 17}
